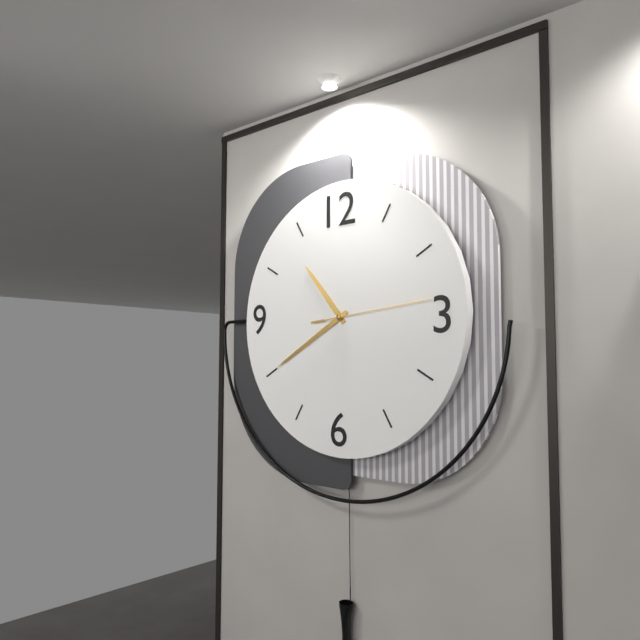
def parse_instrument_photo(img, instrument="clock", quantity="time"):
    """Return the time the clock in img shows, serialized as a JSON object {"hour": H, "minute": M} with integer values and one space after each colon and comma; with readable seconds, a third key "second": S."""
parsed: {"hour": 10, "minute": 40, "second": 14}
